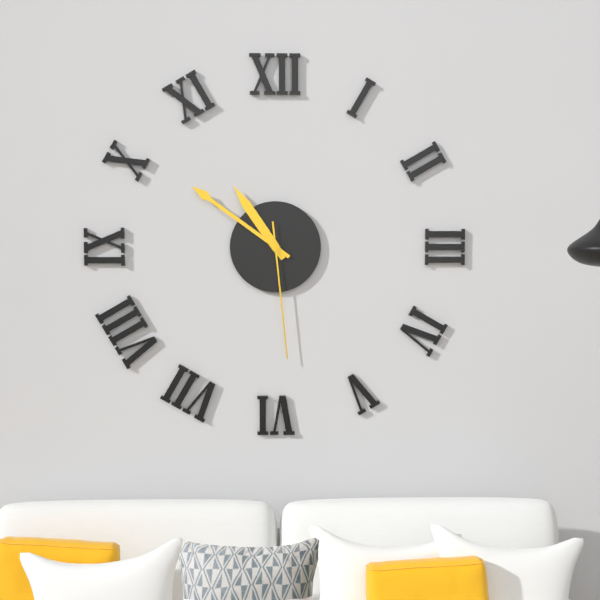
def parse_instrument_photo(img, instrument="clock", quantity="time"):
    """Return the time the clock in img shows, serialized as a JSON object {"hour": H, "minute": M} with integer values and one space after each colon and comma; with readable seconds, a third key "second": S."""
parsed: {"hour": 10, "minute": 51, "second": 29}
